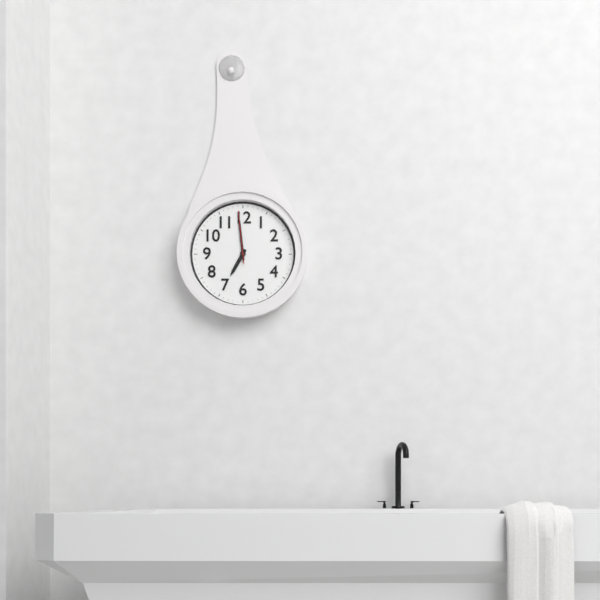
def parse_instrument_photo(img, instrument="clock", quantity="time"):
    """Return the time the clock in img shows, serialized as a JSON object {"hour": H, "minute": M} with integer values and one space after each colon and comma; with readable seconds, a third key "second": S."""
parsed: {"hour": 6, "minute": 59, "second": 59}
